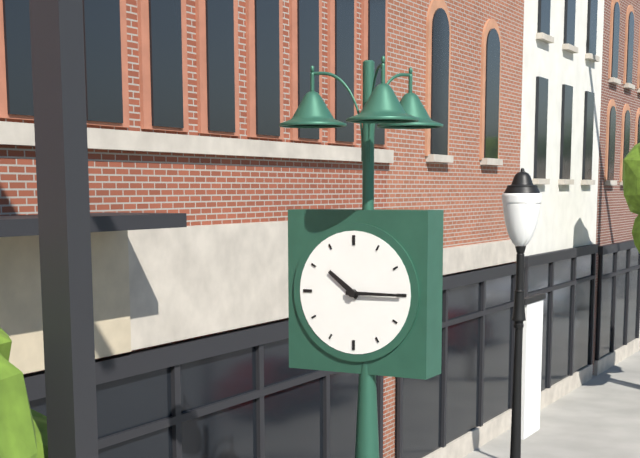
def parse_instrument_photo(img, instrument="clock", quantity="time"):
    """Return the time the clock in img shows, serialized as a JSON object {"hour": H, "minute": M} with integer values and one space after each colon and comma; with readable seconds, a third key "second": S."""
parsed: {"hour": 10, "minute": 15}
